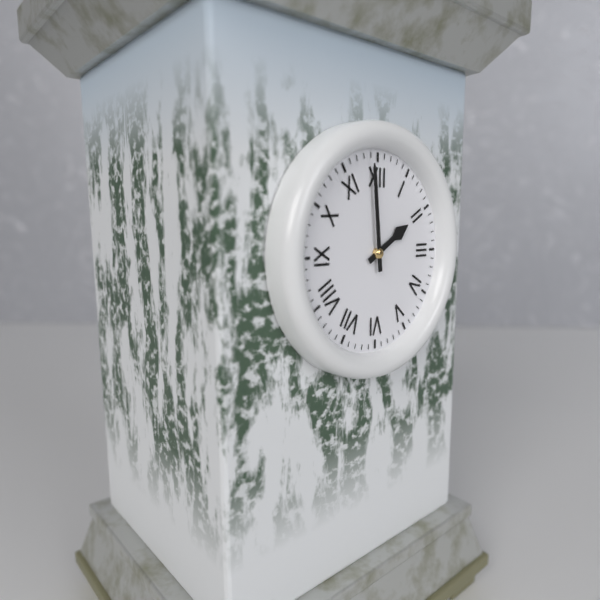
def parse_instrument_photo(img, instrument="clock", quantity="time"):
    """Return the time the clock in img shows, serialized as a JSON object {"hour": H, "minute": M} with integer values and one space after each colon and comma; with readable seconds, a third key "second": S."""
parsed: {"hour": 1, "minute": 59}
